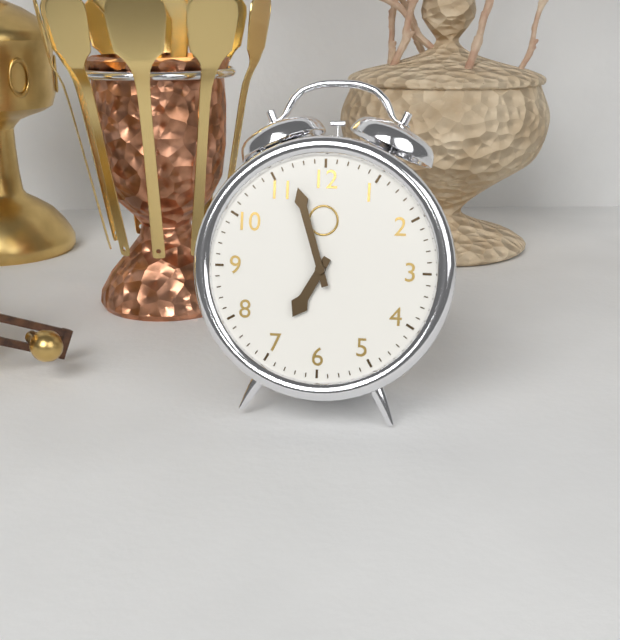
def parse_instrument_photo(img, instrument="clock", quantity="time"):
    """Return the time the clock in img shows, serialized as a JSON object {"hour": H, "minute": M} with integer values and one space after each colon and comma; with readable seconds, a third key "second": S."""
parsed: {"hour": 6, "minute": 57}
